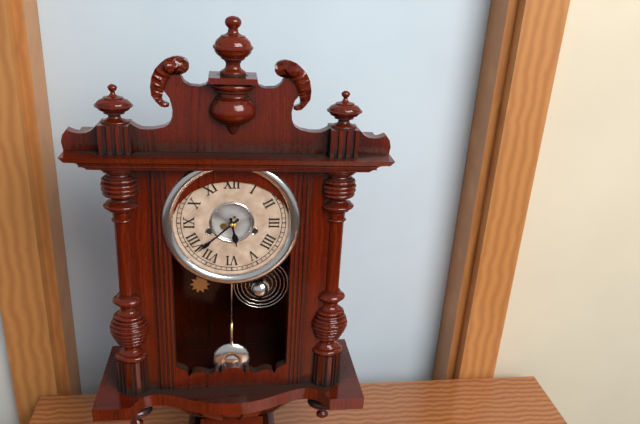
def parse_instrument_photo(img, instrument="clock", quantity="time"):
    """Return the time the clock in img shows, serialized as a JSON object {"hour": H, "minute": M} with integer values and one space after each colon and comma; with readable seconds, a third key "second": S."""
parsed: {"hour": 5, "minute": 38}
